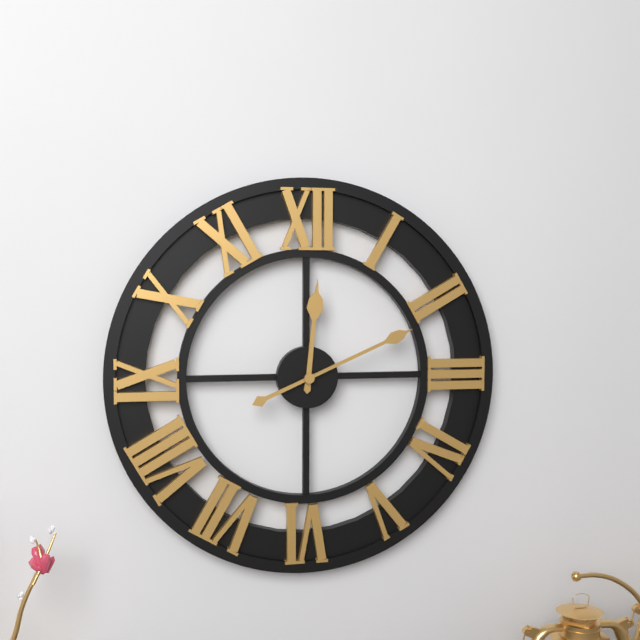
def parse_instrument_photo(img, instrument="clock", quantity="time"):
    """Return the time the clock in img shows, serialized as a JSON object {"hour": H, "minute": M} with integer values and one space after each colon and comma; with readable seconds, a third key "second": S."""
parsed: {"hour": 12, "minute": 11}
